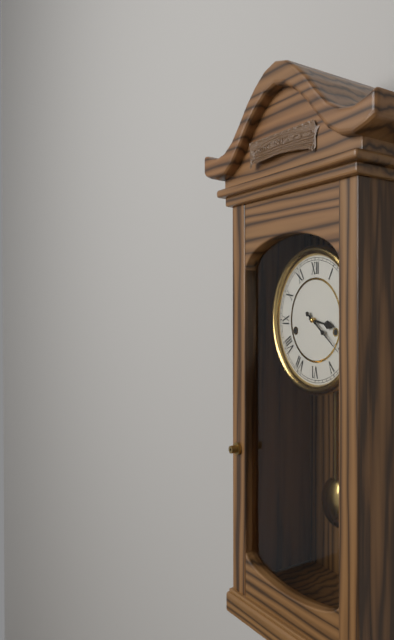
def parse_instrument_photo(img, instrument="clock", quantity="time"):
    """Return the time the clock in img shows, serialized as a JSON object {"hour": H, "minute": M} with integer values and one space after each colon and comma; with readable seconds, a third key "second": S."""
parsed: {"hour": 3, "minute": 21}
